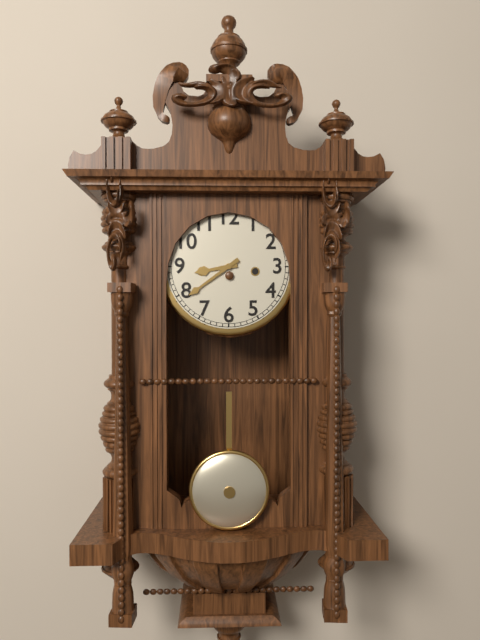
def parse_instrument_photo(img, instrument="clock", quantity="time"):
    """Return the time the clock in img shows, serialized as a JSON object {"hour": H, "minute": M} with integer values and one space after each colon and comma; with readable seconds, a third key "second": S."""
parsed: {"hour": 8, "minute": 39}
